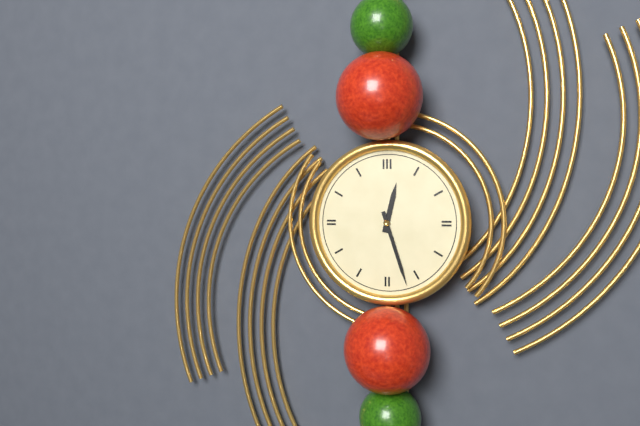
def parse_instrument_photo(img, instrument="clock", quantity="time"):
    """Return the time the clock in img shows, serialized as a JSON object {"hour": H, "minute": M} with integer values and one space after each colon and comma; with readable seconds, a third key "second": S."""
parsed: {"hour": 12, "minute": 27}
